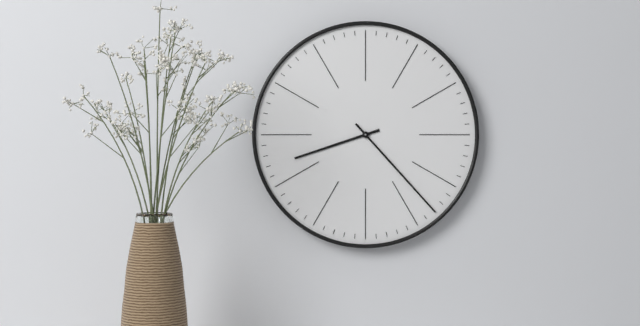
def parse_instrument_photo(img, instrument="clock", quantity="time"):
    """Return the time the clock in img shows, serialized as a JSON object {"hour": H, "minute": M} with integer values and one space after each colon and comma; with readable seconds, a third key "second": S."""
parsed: {"hour": 8, "minute": 23}
